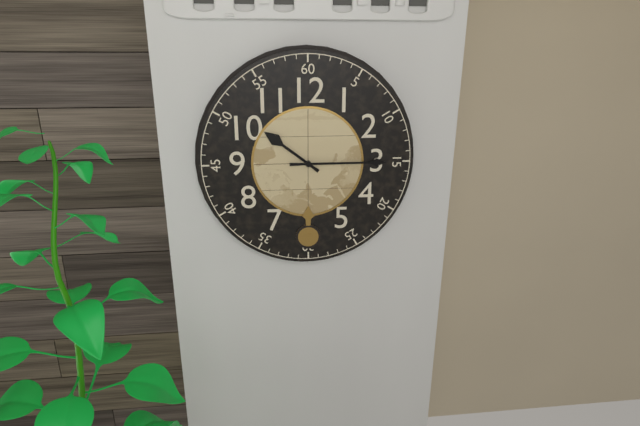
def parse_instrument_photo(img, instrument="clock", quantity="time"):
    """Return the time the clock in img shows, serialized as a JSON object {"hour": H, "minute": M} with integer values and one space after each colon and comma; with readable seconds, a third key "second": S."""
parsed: {"hour": 10, "minute": 15}
